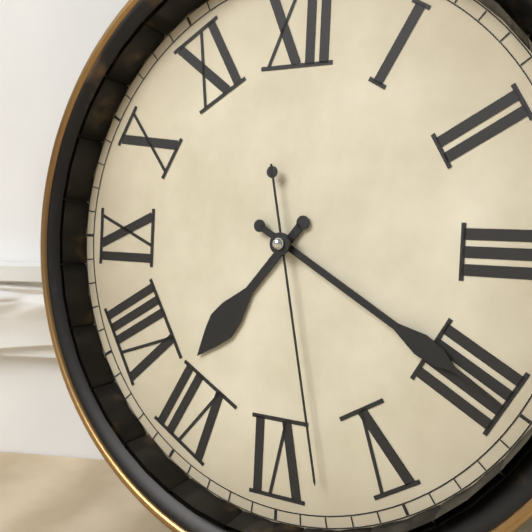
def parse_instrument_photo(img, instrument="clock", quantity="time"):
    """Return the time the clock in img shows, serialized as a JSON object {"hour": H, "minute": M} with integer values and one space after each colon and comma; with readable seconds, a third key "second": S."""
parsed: {"hour": 7, "minute": 20, "second": 28}
